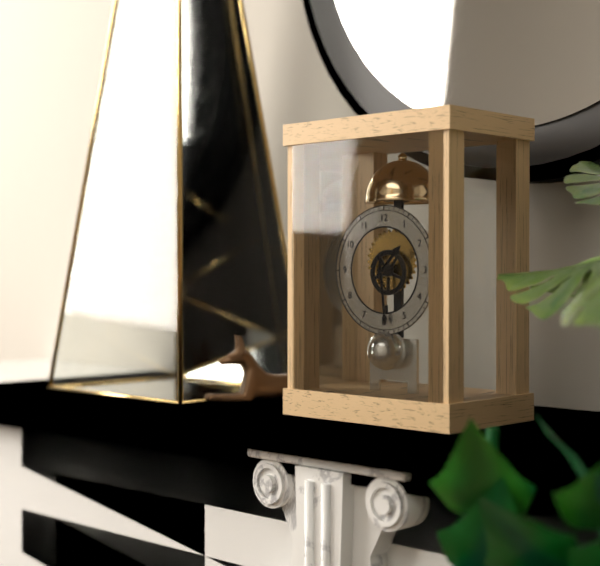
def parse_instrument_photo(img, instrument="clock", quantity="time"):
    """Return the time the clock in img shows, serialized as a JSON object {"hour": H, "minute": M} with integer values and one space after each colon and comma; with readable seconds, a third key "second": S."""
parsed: {"hour": 1, "minute": 29}
